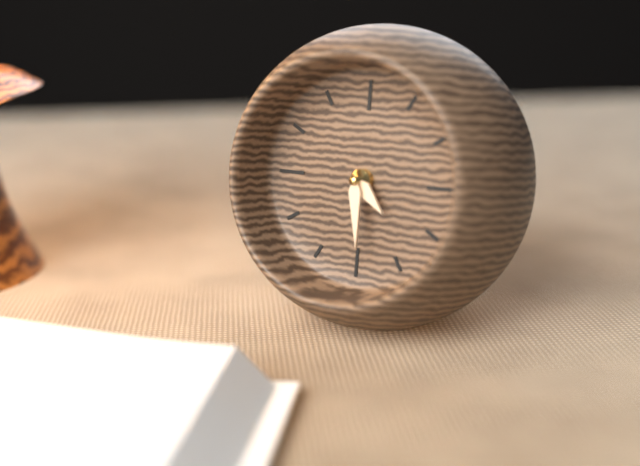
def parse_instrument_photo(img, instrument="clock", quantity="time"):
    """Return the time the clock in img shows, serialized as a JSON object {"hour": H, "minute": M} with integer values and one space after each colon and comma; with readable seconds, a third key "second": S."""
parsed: {"hour": 4, "minute": 29}
